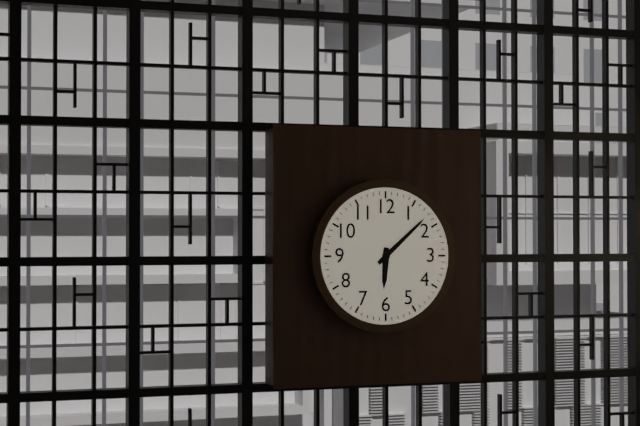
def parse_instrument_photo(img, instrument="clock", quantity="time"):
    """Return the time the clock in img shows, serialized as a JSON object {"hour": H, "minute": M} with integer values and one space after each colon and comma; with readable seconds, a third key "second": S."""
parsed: {"hour": 6, "minute": 8}
